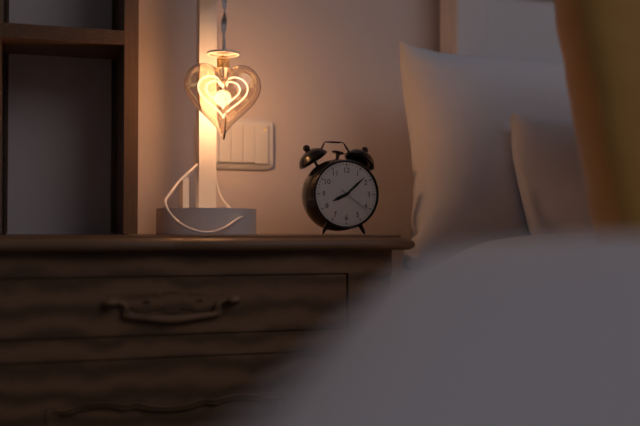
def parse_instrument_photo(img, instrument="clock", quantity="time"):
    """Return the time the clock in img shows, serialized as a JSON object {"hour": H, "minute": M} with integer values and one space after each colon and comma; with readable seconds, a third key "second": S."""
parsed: {"hour": 8, "minute": 8}
